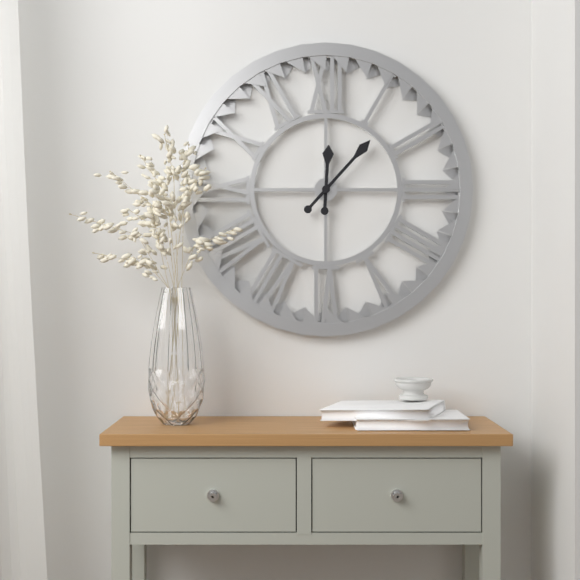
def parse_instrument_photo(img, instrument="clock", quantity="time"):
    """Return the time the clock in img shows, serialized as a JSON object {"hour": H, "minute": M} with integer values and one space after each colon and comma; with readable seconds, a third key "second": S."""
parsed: {"hour": 12, "minute": 7}
